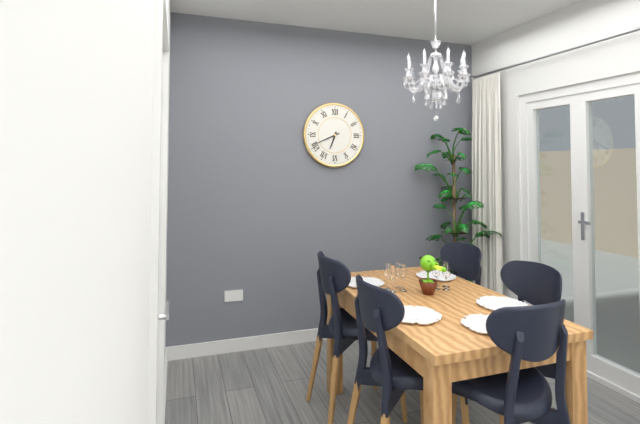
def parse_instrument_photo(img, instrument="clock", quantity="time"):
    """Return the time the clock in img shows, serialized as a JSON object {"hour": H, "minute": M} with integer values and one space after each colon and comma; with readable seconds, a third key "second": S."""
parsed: {"hour": 6, "minute": 41}
